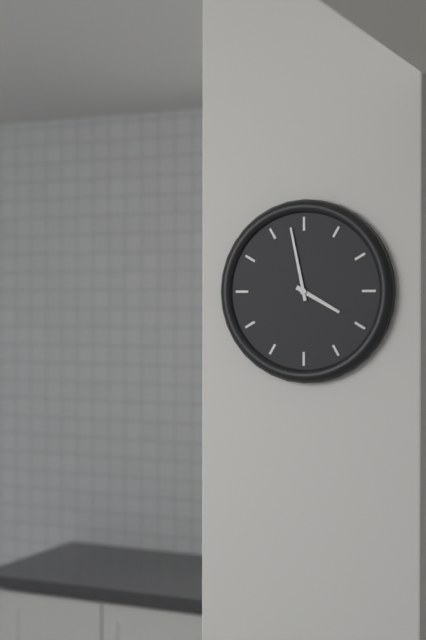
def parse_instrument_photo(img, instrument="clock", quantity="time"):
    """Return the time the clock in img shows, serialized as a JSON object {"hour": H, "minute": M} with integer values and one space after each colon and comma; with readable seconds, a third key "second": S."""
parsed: {"hour": 3, "minute": 58}
